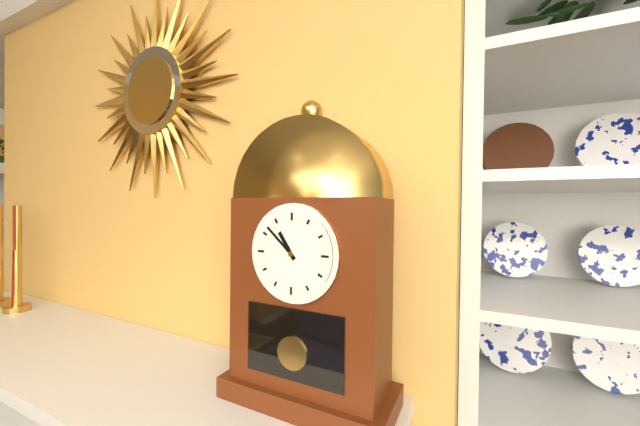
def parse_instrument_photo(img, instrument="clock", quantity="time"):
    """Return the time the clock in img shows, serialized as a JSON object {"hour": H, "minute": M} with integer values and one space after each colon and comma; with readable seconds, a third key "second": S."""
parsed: {"hour": 10, "minute": 52}
